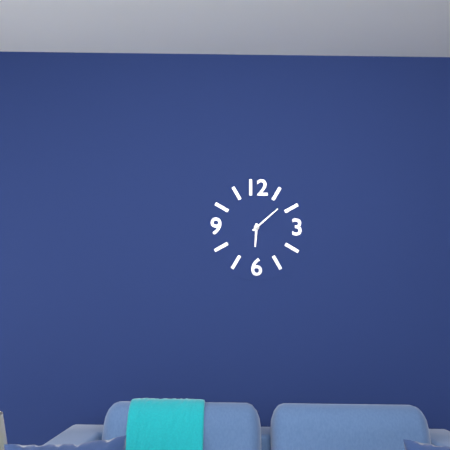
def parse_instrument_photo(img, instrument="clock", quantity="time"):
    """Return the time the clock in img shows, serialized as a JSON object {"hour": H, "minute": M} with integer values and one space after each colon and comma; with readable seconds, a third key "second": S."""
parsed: {"hour": 6, "minute": 8}
